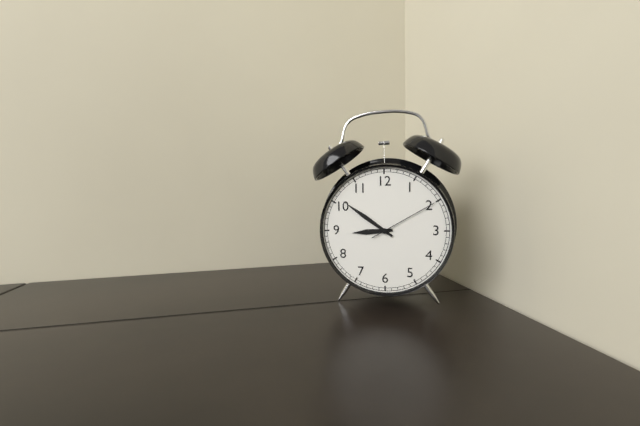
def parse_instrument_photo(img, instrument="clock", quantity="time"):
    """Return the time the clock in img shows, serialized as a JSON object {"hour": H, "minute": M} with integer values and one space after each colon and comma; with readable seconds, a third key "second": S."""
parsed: {"hour": 8, "minute": 51, "second": 10}
